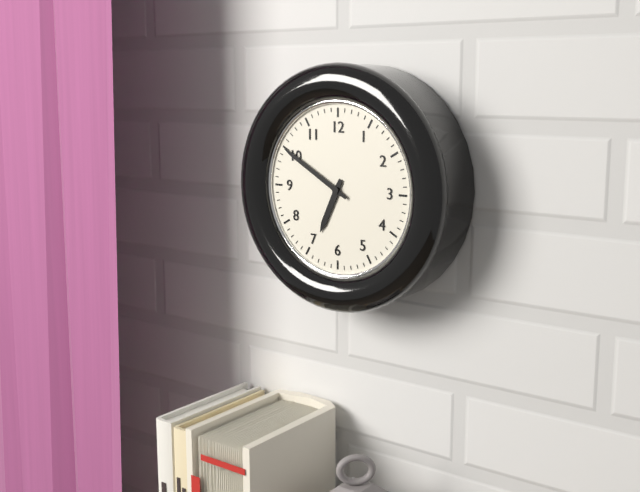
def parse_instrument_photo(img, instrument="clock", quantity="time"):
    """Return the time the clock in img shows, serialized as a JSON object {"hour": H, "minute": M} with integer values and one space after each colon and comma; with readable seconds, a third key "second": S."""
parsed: {"hour": 6, "minute": 50}
